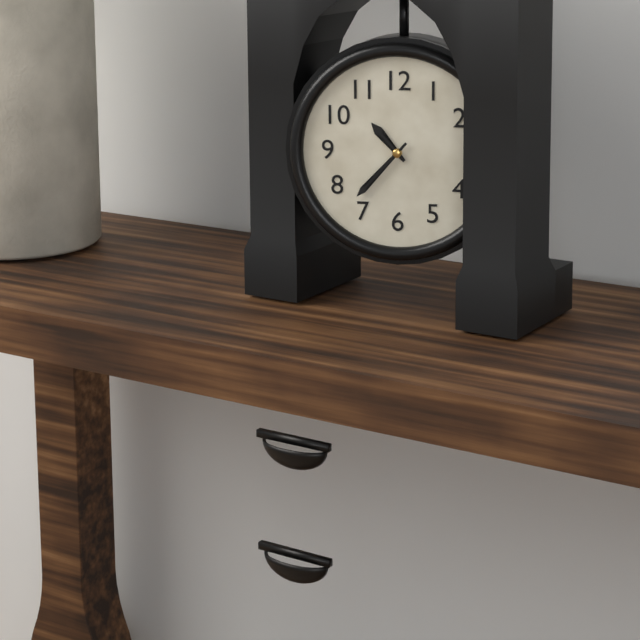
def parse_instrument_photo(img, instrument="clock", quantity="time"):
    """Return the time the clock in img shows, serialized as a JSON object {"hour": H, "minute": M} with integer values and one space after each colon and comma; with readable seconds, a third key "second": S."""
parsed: {"hour": 10, "minute": 37}
